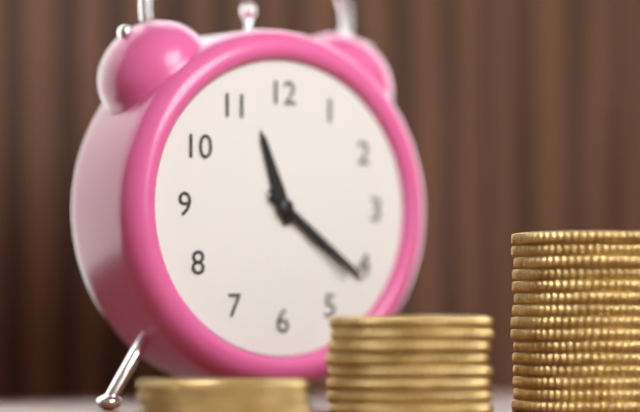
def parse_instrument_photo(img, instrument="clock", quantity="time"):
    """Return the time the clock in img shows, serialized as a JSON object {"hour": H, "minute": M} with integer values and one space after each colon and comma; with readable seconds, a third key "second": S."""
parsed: {"hour": 11, "minute": 21, "second": 22}
